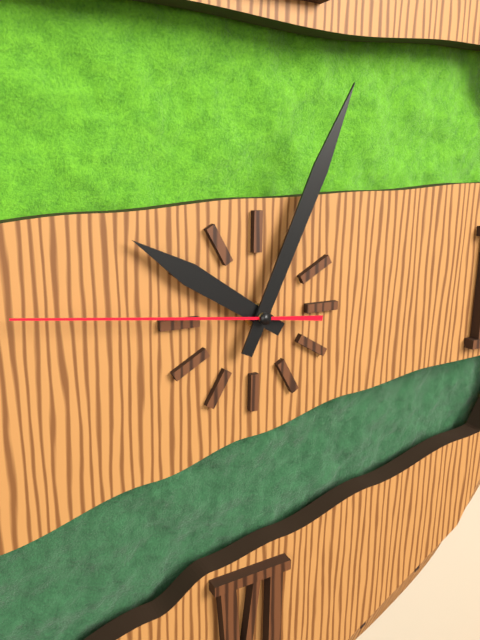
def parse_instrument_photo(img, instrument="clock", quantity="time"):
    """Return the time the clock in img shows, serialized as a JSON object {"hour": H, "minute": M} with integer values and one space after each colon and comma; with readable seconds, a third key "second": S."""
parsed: {"hour": 10, "minute": 4, "second": 46}
